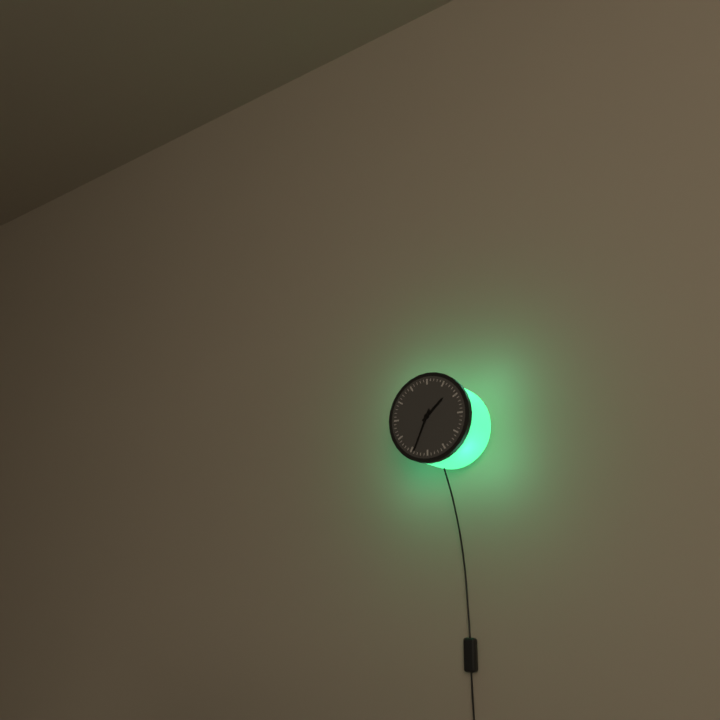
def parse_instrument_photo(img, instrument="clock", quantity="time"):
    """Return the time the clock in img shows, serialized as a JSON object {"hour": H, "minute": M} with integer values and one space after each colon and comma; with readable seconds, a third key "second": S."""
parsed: {"hour": 1, "minute": 34}
